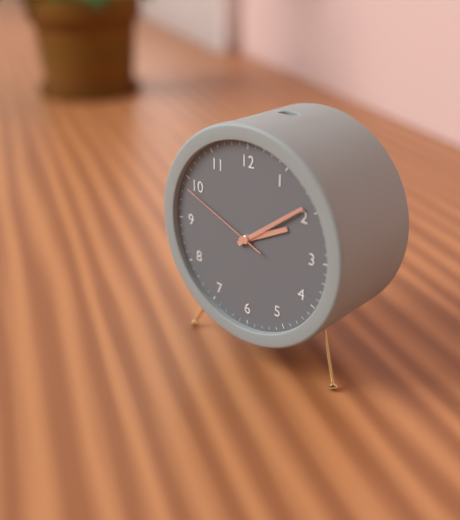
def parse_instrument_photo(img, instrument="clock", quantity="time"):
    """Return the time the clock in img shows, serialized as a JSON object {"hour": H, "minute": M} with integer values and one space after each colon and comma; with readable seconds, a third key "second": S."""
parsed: {"hour": 2, "minute": 9, "second": 49}
